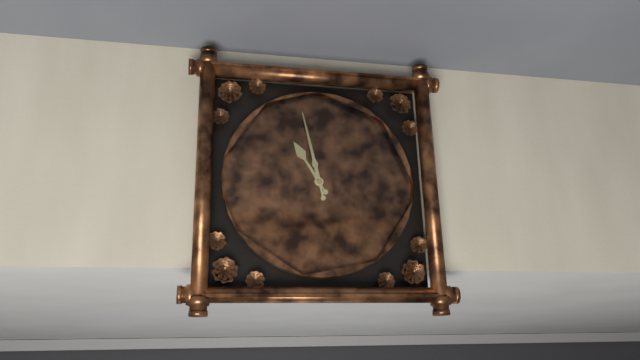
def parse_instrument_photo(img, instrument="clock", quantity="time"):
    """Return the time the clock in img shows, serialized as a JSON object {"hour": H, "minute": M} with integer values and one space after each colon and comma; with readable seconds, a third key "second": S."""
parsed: {"hour": 10, "minute": 58}
